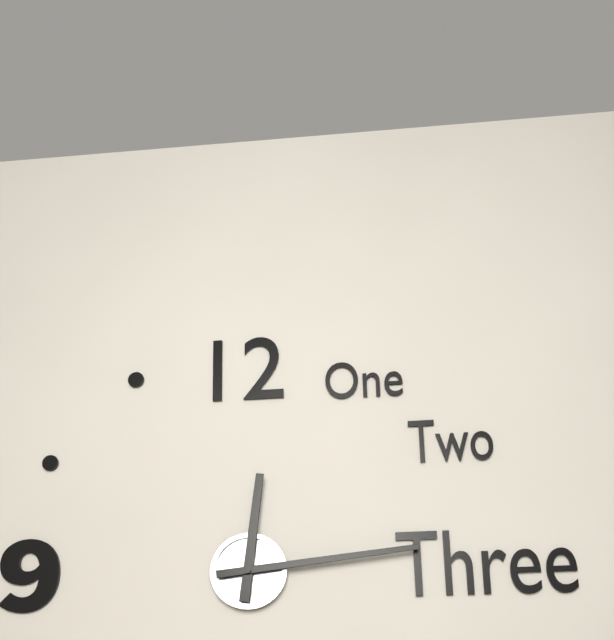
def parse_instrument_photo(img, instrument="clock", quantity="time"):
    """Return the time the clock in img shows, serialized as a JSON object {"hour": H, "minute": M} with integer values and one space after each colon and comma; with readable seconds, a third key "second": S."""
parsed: {"hour": 12, "minute": 14}
